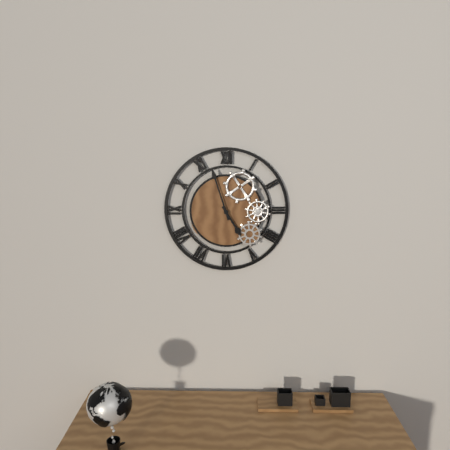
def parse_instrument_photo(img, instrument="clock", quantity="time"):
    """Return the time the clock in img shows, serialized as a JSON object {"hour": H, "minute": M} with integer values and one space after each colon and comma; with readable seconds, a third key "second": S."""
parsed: {"hour": 4, "minute": 57}
